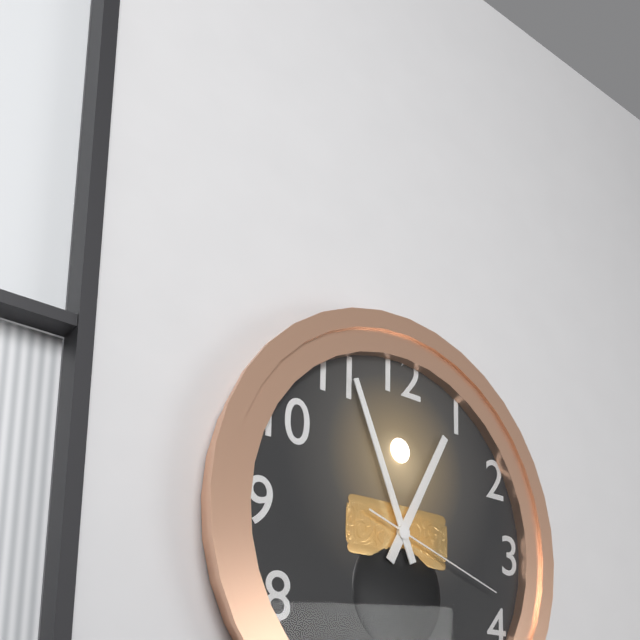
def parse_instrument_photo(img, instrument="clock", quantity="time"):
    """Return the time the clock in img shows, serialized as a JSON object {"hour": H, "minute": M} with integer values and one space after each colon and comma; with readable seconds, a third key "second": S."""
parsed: {"hour": 12, "minute": 56, "second": 18}
